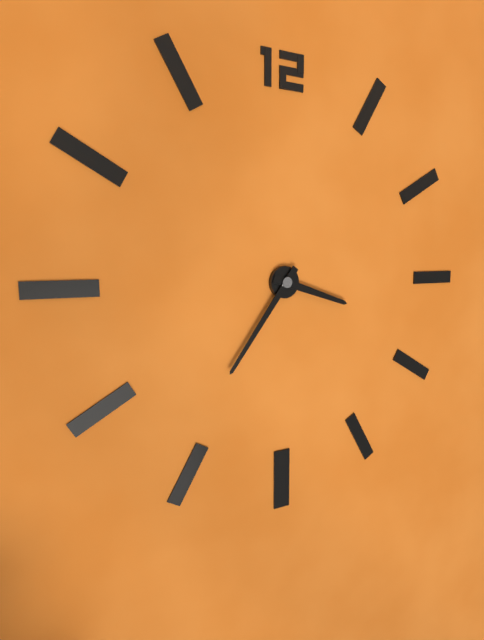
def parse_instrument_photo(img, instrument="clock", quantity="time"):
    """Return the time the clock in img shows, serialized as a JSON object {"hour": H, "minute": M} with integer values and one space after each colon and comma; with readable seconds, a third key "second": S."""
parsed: {"hour": 3, "minute": 36}
